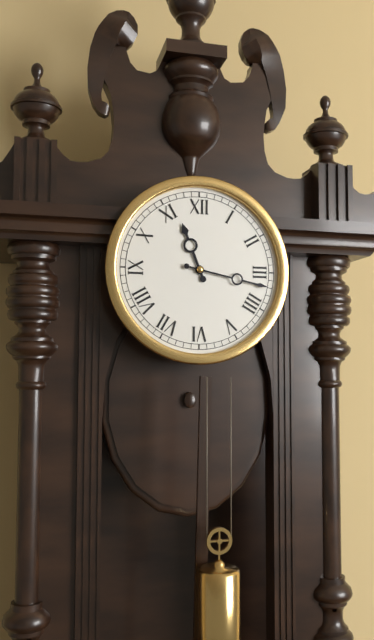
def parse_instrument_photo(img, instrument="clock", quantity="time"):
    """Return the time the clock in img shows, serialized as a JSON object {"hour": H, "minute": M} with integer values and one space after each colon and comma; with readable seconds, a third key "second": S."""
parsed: {"hour": 11, "minute": 17}
